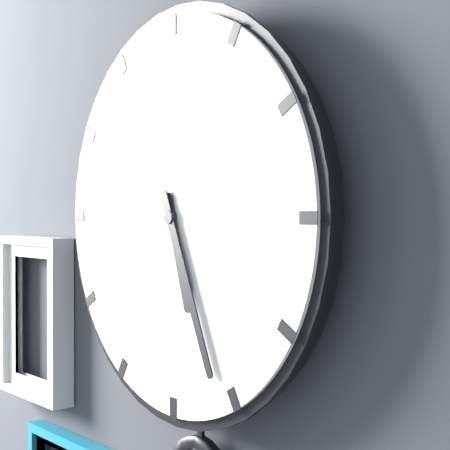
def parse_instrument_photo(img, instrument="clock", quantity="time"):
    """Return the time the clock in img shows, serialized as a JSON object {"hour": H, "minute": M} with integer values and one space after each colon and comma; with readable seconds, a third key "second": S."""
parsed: {"hour": 5, "minute": 26}
